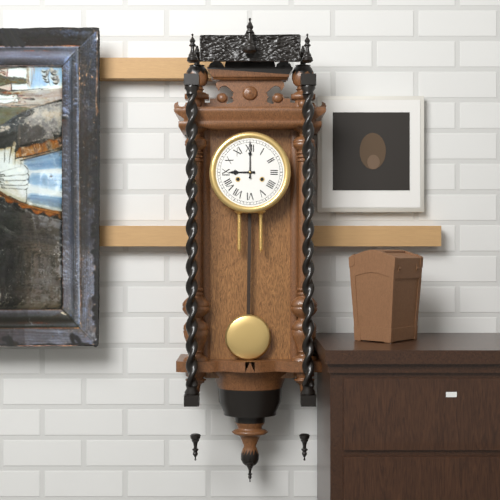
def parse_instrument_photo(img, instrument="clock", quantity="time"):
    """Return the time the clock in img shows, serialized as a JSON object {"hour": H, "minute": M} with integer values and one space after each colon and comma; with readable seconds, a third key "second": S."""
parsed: {"hour": 9, "minute": 0}
